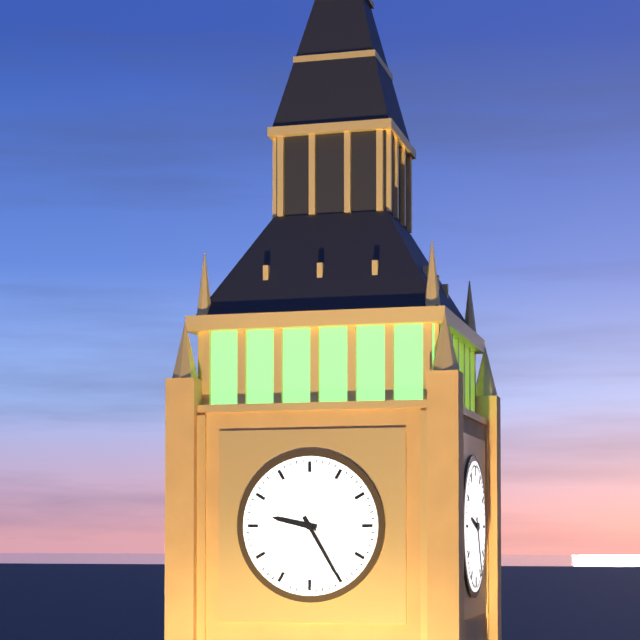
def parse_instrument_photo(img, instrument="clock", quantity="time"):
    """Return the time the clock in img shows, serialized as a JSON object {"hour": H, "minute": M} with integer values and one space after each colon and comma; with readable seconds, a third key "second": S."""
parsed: {"hour": 9, "minute": 25}
